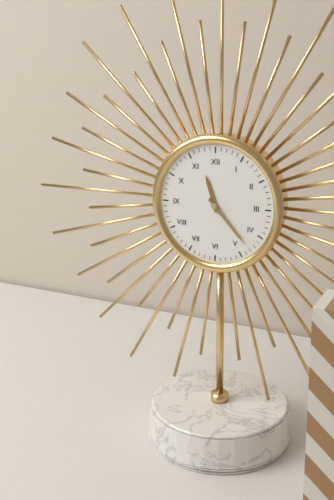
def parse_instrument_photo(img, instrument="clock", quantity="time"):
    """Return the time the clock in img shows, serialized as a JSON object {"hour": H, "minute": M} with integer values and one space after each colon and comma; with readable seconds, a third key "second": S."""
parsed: {"hour": 11, "minute": 23}
